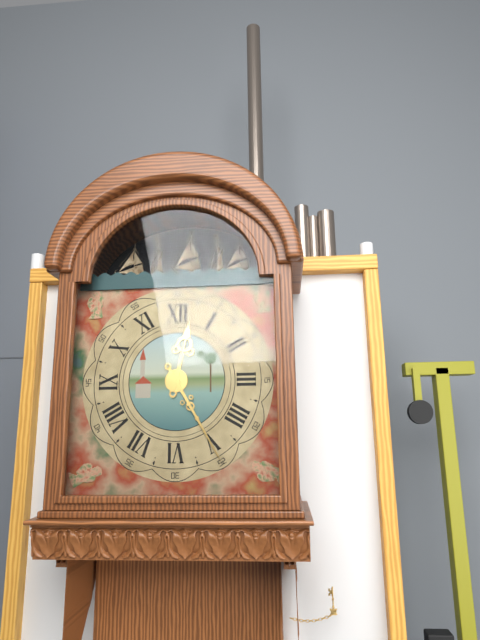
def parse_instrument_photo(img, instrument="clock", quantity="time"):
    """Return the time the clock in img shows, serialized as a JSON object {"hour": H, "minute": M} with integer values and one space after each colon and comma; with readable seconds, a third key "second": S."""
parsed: {"hour": 12, "minute": 25}
